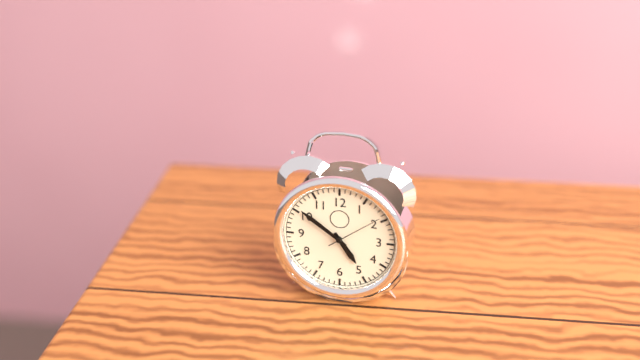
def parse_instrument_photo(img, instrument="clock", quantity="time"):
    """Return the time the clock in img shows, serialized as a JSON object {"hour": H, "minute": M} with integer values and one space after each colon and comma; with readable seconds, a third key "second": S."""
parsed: {"hour": 4, "minute": 51, "second": 9}
